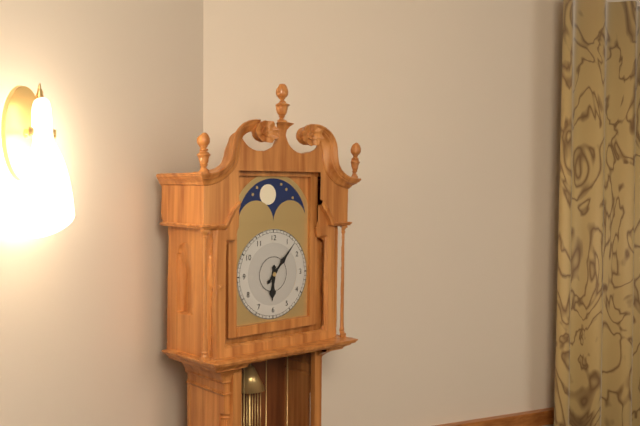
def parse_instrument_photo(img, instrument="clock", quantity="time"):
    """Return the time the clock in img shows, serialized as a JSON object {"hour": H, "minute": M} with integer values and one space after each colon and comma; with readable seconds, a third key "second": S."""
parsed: {"hour": 6, "minute": 7}
